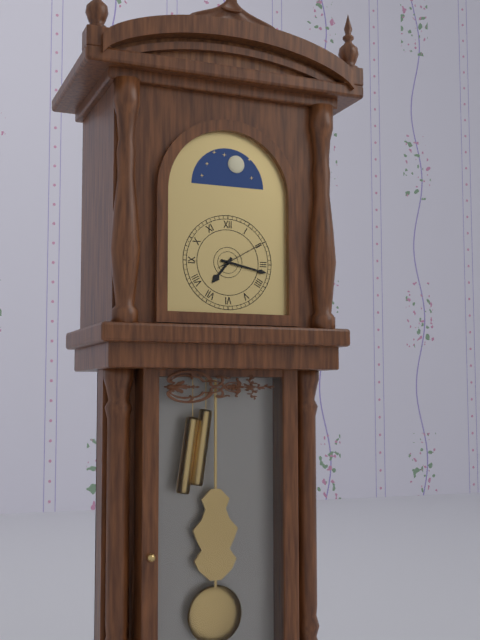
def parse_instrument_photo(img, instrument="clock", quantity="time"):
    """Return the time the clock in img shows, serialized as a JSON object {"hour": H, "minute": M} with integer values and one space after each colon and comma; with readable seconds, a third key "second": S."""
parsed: {"hour": 7, "minute": 17, "second": 10}
